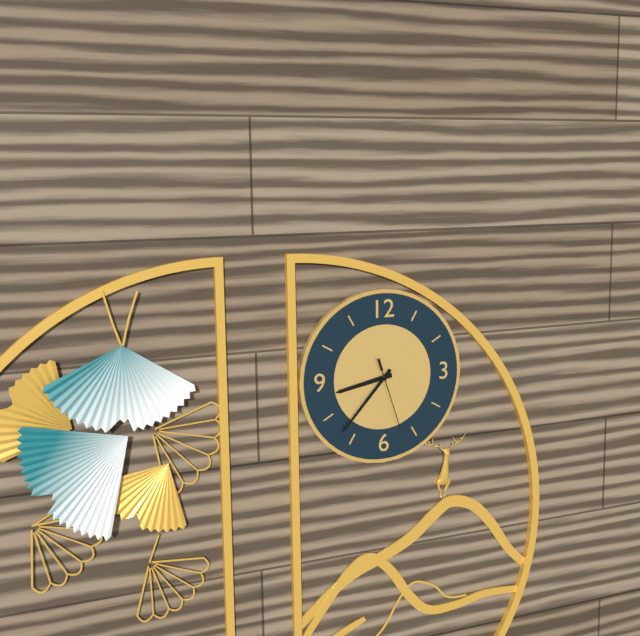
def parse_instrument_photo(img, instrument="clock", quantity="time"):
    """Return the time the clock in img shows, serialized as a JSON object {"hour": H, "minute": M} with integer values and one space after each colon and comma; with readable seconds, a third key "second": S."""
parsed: {"hour": 8, "minute": 37, "second": 27}
